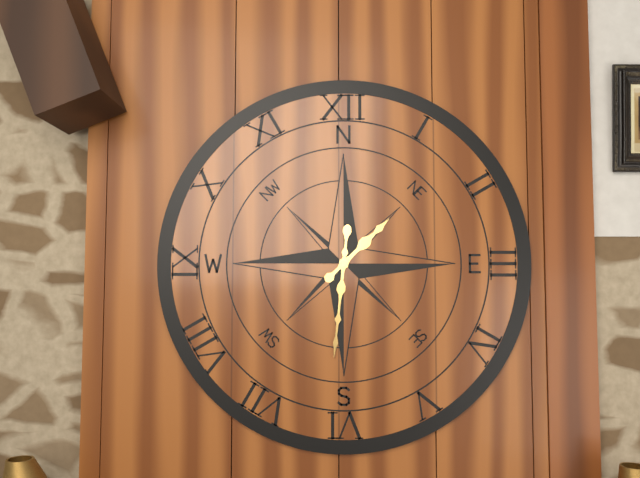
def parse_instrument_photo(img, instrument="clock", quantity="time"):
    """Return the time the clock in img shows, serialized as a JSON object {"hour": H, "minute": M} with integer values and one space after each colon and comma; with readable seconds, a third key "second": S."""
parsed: {"hour": 1, "minute": 31}
